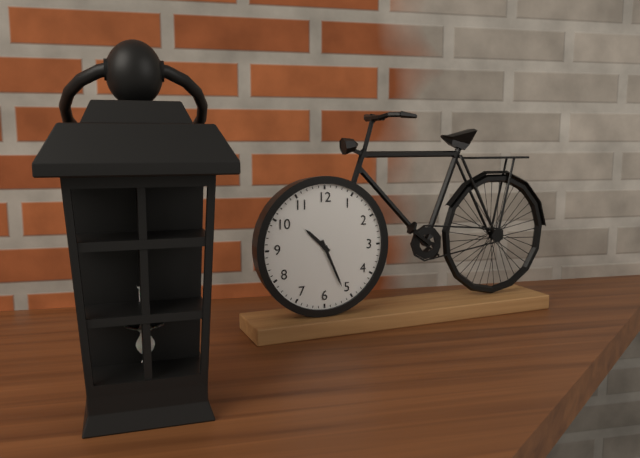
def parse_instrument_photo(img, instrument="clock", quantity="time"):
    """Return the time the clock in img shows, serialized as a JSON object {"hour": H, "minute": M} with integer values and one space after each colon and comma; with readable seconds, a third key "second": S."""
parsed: {"hour": 10, "minute": 26}
